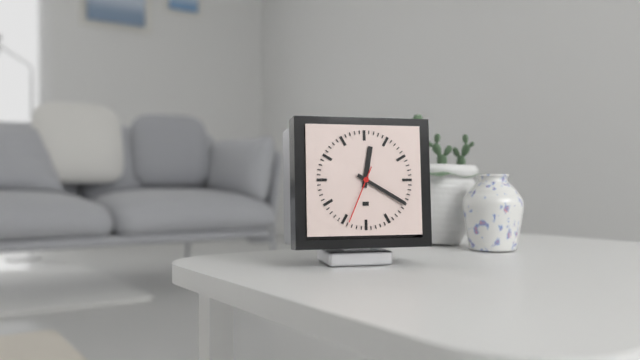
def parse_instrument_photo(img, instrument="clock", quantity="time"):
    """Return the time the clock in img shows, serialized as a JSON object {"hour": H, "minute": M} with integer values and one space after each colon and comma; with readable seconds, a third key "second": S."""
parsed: {"hour": 12, "minute": 20, "second": 34}
